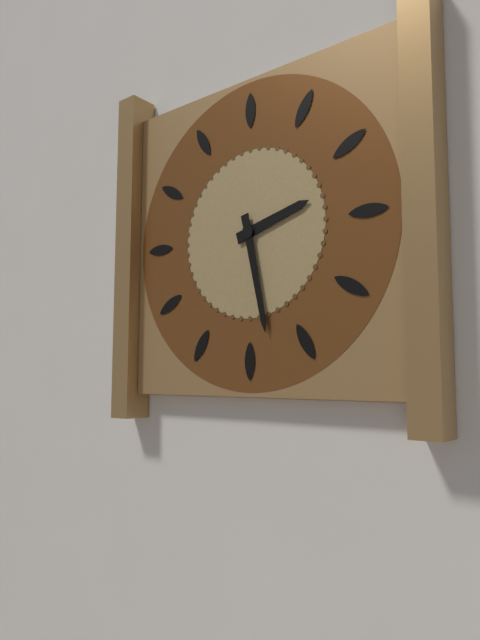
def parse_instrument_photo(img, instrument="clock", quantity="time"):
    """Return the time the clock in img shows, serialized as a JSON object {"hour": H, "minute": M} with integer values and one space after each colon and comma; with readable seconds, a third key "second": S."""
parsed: {"hour": 2, "minute": 28}
